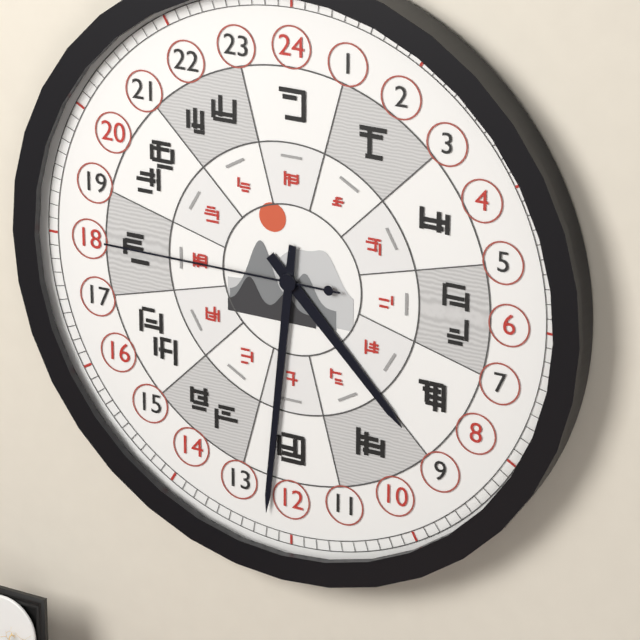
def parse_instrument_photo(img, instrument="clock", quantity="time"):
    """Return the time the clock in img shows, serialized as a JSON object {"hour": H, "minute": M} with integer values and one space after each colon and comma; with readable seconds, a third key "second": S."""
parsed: {"hour": 4, "minute": 31, "second": 45}
